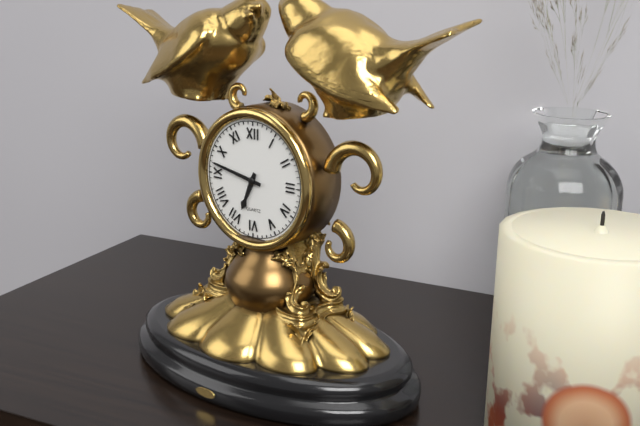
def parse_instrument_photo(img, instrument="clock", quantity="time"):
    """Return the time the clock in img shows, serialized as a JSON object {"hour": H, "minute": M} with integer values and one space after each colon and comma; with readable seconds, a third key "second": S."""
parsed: {"hour": 6, "minute": 47}
